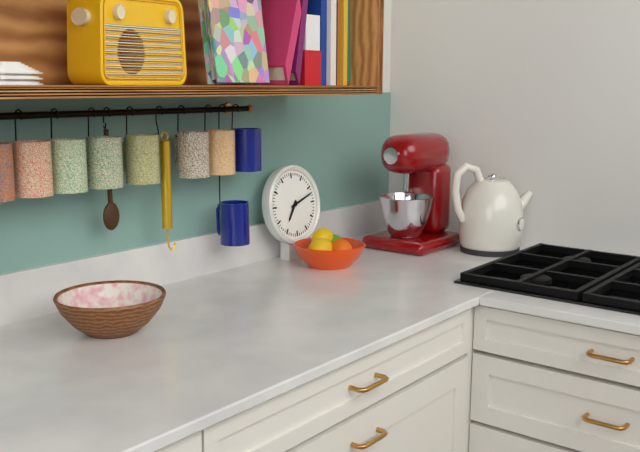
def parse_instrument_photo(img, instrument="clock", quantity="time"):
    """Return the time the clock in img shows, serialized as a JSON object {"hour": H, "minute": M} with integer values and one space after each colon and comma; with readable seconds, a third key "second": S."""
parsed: {"hour": 7, "minute": 12}
